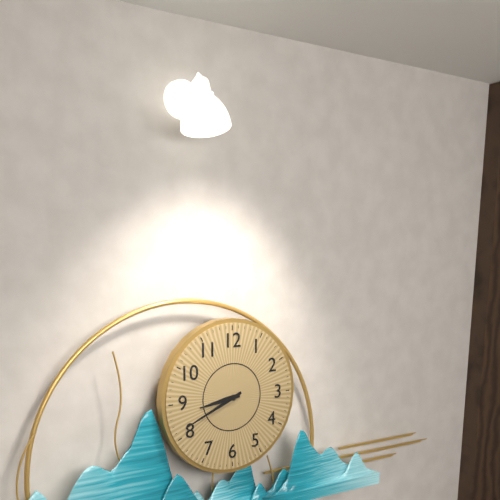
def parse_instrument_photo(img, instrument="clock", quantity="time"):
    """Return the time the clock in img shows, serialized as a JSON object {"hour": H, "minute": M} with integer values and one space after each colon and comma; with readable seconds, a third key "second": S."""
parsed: {"hour": 8, "minute": 41}
